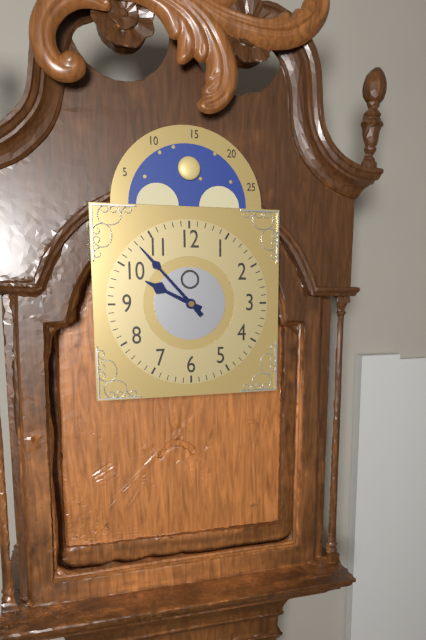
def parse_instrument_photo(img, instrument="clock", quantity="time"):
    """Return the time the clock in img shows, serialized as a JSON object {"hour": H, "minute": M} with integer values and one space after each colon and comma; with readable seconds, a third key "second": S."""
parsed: {"hour": 9, "minute": 53}
